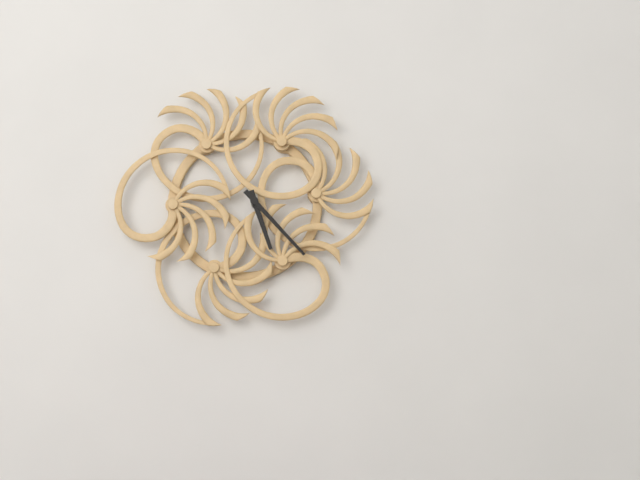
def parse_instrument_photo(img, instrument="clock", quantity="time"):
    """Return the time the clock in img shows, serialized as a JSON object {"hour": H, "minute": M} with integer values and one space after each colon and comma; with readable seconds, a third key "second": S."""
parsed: {"hour": 5, "minute": 23}
